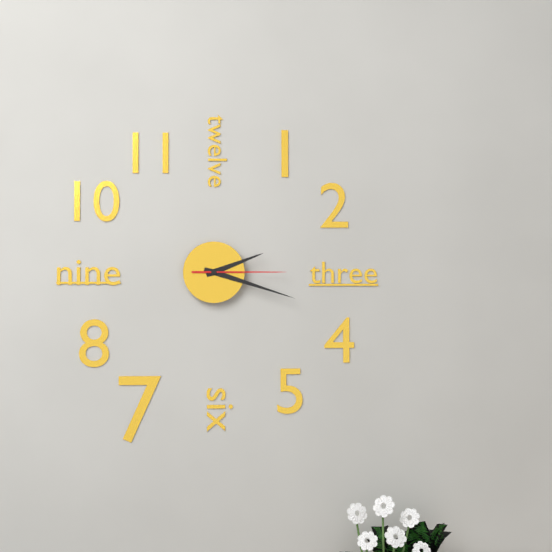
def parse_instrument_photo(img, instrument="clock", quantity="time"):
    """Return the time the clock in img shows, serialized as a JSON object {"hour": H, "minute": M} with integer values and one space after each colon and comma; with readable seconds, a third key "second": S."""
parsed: {"hour": 2, "minute": 18, "second": 15}
